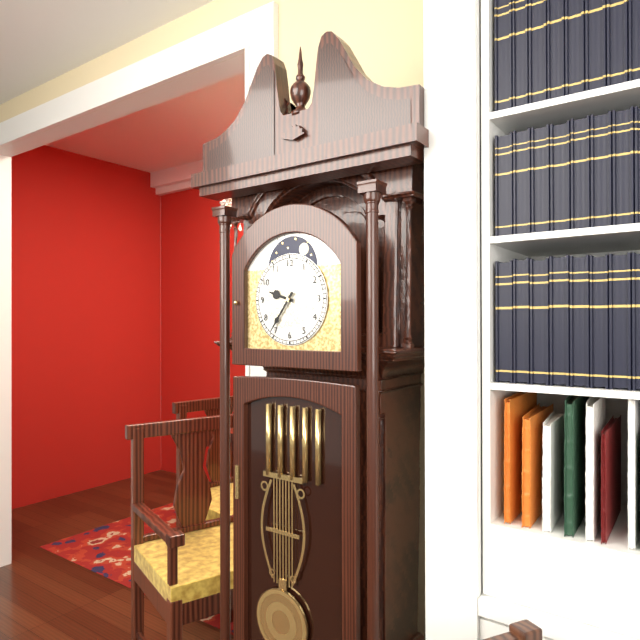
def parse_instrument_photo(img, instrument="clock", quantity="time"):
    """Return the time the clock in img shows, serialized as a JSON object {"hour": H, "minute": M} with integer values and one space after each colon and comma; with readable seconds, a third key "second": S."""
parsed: {"hour": 9, "minute": 36}
